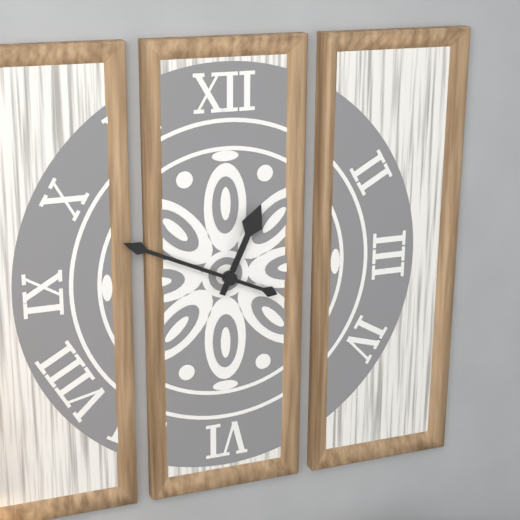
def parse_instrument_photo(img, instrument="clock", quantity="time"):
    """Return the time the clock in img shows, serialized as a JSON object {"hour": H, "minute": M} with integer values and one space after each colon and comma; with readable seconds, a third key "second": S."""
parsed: {"hour": 12, "minute": 49}
